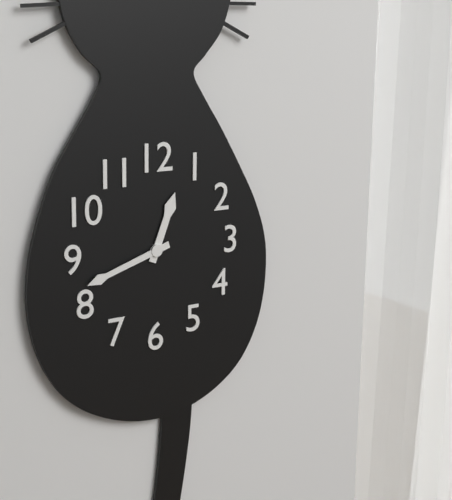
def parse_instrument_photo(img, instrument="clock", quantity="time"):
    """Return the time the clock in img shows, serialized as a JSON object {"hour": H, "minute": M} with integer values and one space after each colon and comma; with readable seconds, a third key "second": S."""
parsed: {"hour": 12, "minute": 42}
